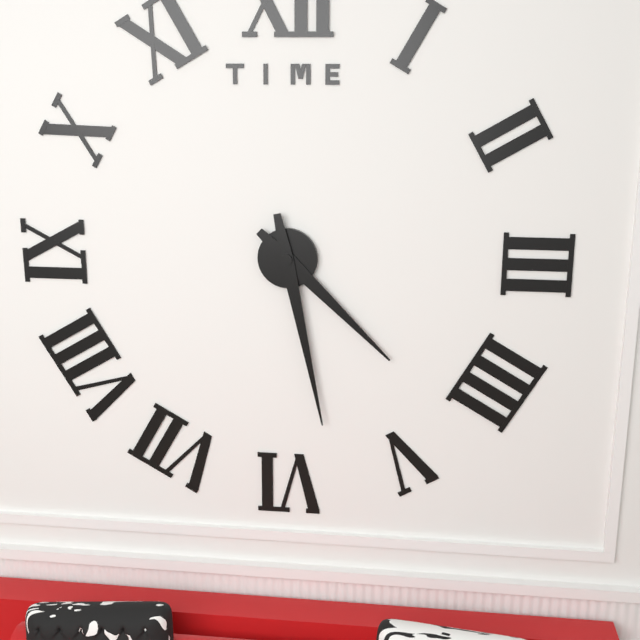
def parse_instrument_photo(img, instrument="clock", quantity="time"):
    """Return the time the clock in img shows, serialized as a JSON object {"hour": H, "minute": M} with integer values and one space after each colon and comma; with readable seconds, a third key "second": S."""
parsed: {"hour": 4, "minute": 28}
